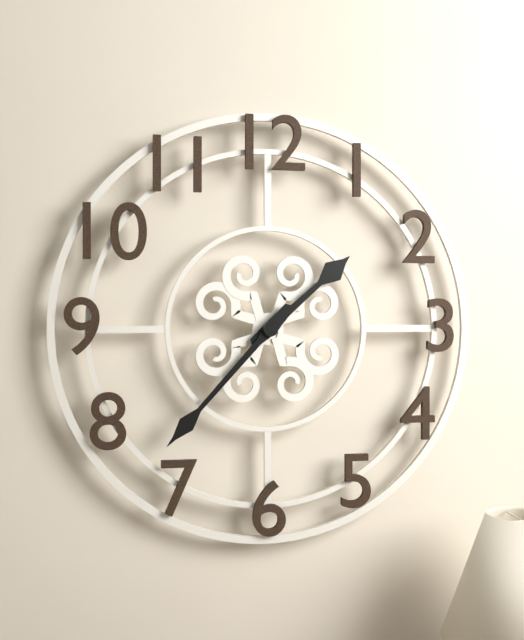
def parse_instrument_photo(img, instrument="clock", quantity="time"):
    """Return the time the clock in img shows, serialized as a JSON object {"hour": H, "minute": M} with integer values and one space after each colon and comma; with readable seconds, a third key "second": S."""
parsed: {"hour": 1, "minute": 37}
